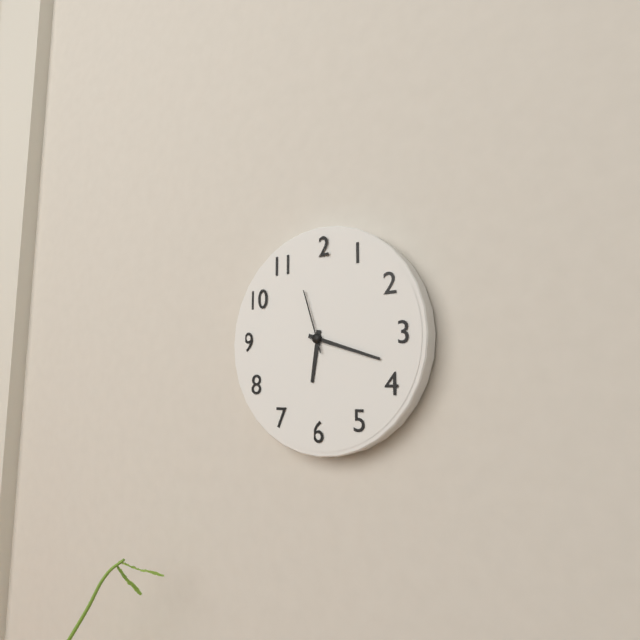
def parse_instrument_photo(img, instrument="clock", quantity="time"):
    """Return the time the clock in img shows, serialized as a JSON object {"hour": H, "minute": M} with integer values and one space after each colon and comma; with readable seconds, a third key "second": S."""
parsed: {"hour": 6, "minute": 18, "second": 57}
